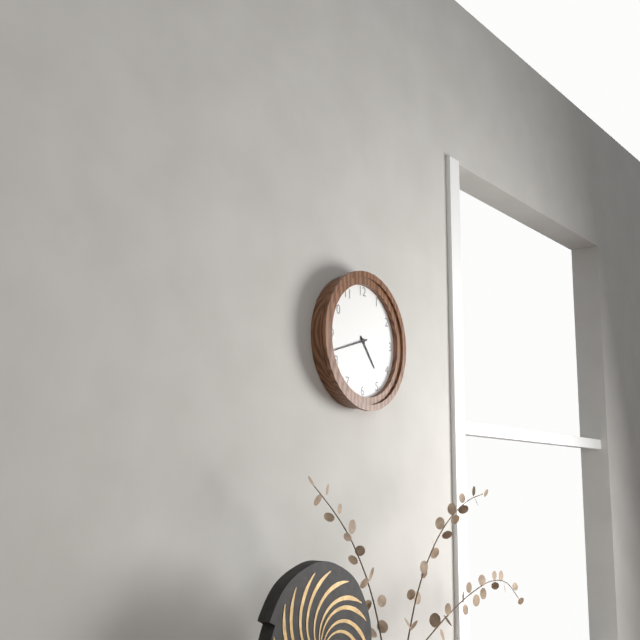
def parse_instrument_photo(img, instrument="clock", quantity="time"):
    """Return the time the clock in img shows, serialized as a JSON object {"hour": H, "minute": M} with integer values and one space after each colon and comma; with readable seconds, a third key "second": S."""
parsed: {"hour": 4, "minute": 42}
